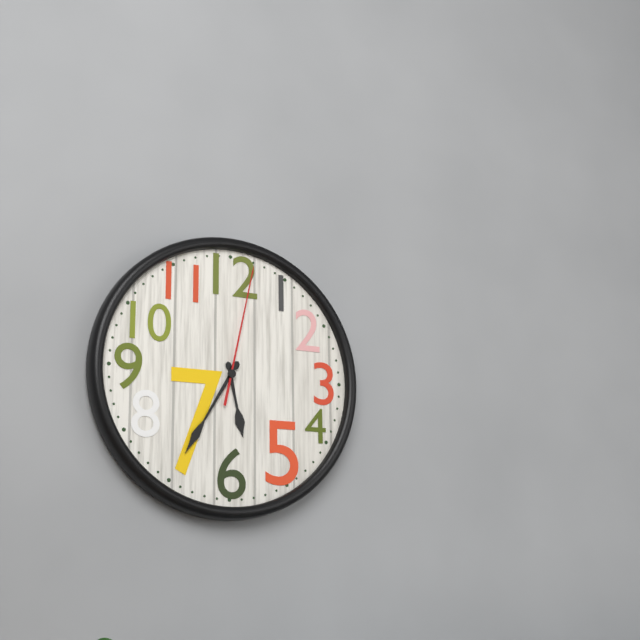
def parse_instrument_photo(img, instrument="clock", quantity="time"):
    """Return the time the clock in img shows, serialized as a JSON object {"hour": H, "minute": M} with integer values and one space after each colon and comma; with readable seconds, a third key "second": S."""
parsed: {"hour": 5, "minute": 35, "second": 2}
